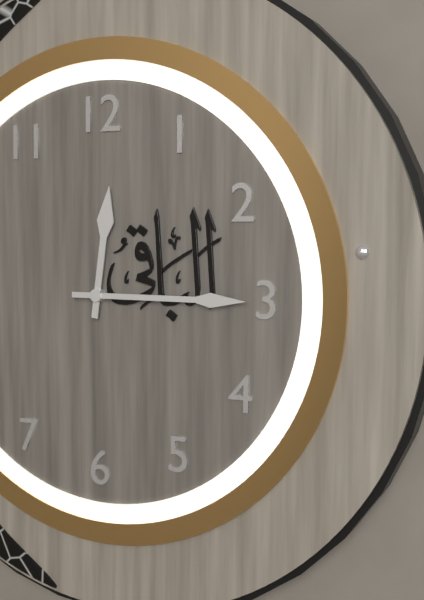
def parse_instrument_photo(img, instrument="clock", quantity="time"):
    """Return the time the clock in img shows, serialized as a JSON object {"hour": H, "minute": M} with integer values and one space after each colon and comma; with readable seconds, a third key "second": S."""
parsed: {"hour": 12, "minute": 15}
